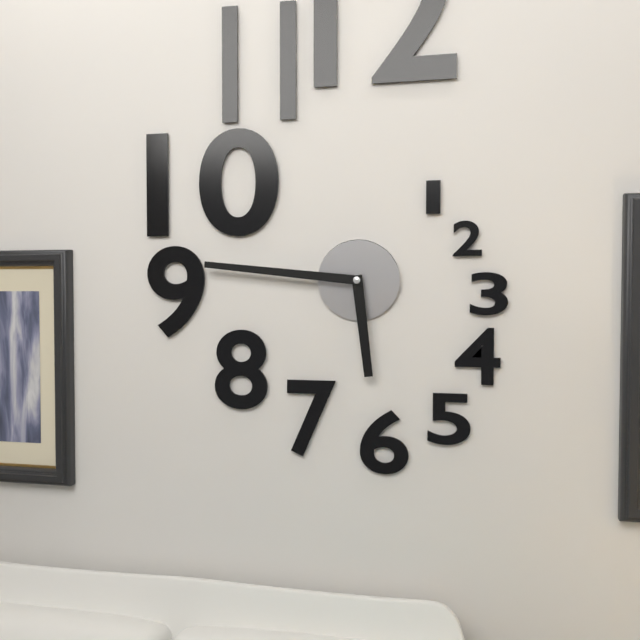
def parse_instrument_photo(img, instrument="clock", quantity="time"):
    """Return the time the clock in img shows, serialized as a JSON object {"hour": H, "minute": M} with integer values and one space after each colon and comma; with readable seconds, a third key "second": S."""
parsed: {"hour": 5, "minute": 46}
